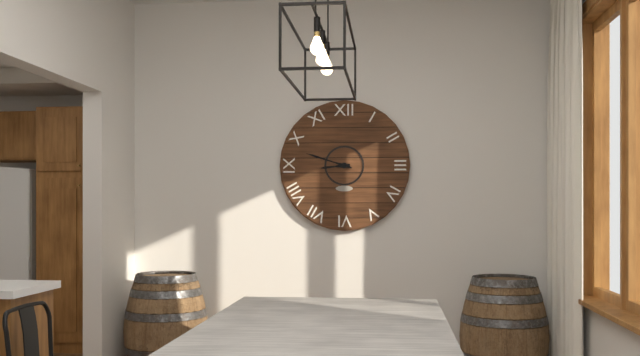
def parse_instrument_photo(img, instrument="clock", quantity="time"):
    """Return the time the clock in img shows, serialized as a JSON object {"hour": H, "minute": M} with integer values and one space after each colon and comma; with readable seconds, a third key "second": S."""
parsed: {"hour": 8, "minute": 48}
